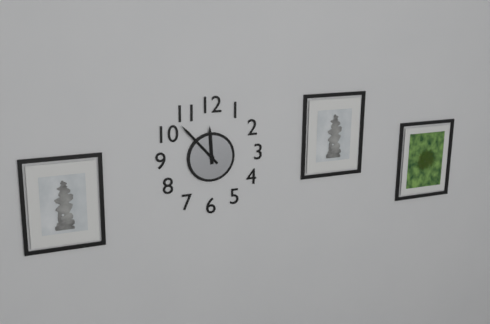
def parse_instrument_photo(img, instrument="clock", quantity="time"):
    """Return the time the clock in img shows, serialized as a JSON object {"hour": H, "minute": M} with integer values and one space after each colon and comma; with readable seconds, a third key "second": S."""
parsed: {"hour": 11, "minute": 53}
